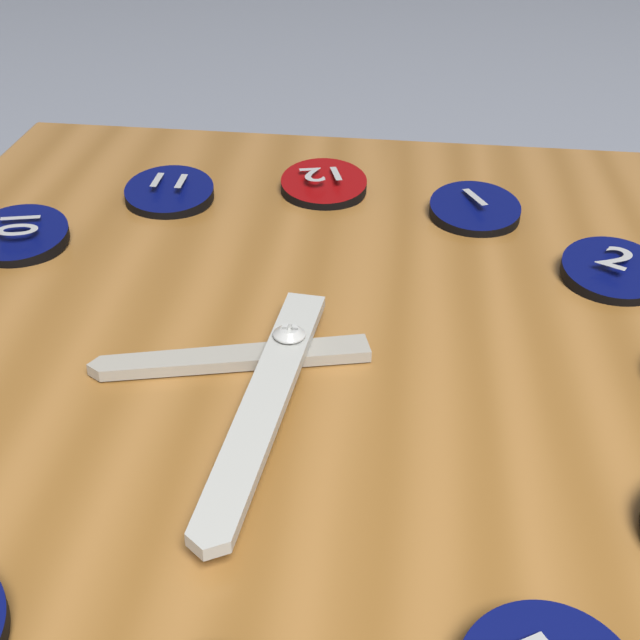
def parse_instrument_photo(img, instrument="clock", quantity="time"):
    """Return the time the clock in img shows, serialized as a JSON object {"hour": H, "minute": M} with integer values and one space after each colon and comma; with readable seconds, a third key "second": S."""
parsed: {"hour": 8, "minute": 31}
